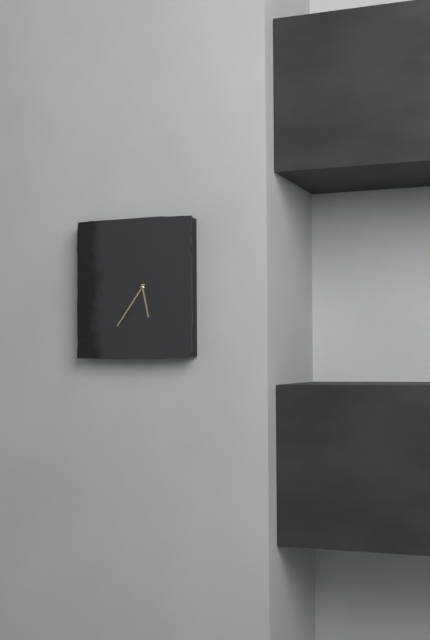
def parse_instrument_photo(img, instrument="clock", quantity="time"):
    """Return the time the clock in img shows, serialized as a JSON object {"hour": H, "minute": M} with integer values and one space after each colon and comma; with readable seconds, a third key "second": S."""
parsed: {"hour": 5, "minute": 36}
